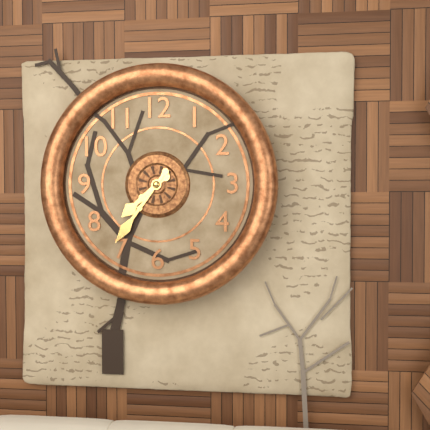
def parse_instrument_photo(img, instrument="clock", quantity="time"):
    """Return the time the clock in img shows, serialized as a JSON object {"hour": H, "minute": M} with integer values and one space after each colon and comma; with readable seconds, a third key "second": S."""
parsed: {"hour": 7, "minute": 36}
